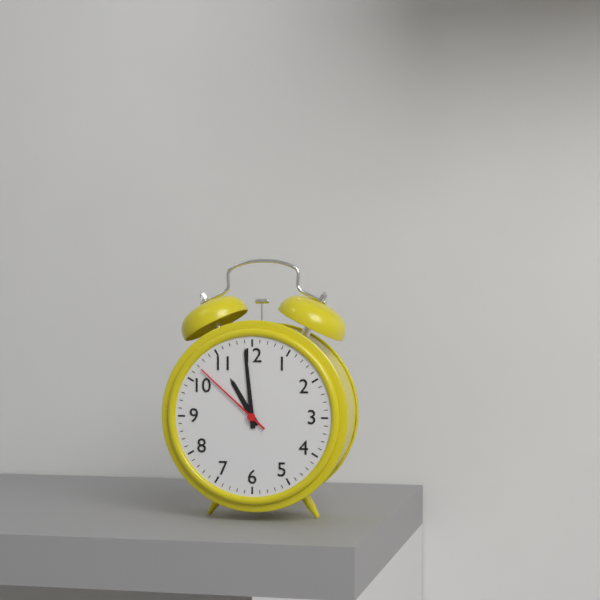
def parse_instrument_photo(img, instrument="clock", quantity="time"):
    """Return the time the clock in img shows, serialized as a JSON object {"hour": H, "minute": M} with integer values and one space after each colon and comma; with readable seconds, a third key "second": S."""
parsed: {"hour": 10, "minute": 59, "second": 52}
